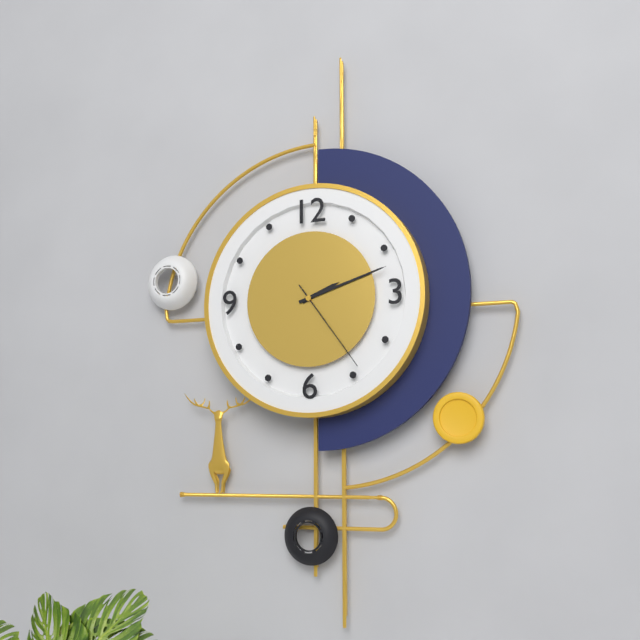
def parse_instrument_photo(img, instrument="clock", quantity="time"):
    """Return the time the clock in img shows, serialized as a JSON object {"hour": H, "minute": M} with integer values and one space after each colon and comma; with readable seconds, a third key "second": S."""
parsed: {"hour": 2, "minute": 12, "second": 24}
